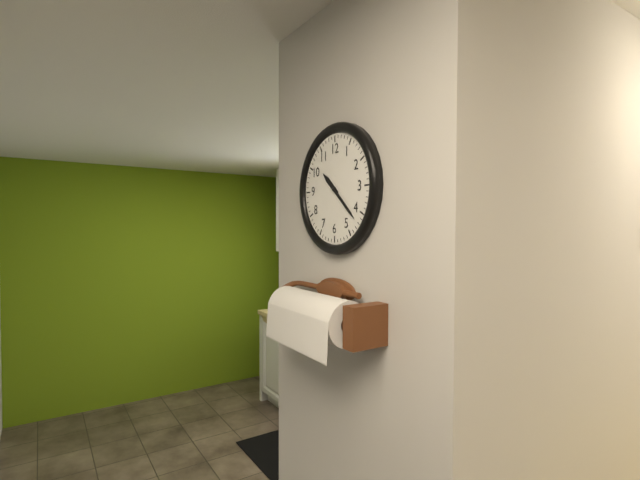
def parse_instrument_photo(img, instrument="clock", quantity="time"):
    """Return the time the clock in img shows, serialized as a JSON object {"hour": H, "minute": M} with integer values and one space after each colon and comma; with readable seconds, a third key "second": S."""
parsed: {"hour": 10, "minute": 22}
